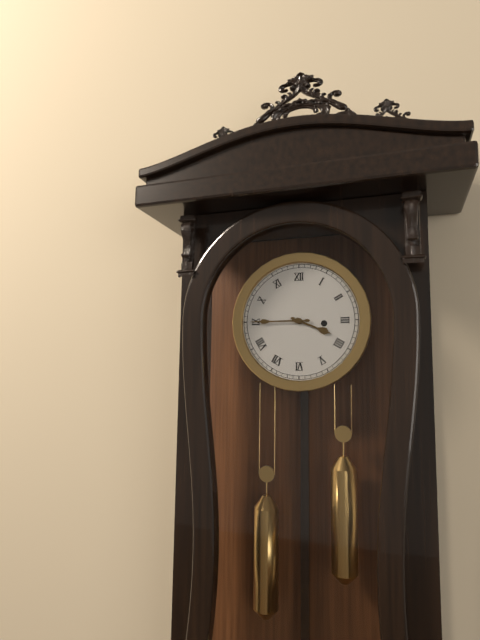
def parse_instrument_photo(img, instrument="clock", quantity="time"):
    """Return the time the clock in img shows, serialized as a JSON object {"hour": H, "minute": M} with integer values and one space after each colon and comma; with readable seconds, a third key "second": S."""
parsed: {"hour": 3, "minute": 45}
